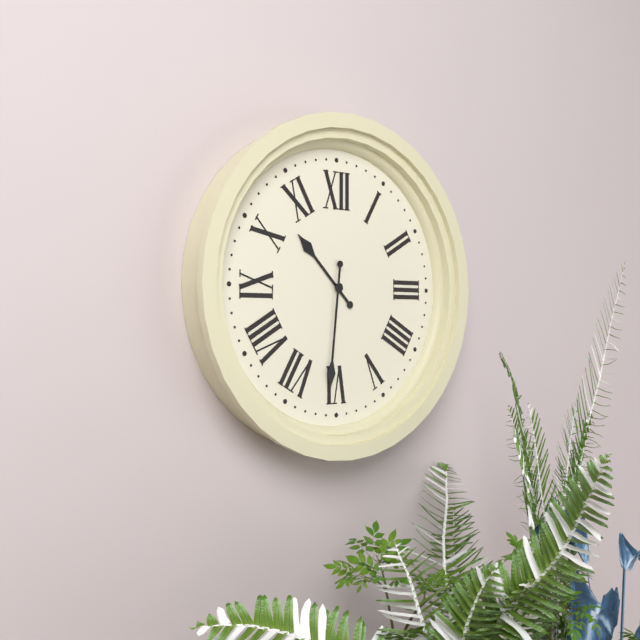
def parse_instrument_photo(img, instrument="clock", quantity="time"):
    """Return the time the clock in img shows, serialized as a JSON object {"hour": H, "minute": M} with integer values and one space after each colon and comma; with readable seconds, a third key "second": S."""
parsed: {"hour": 10, "minute": 31}
